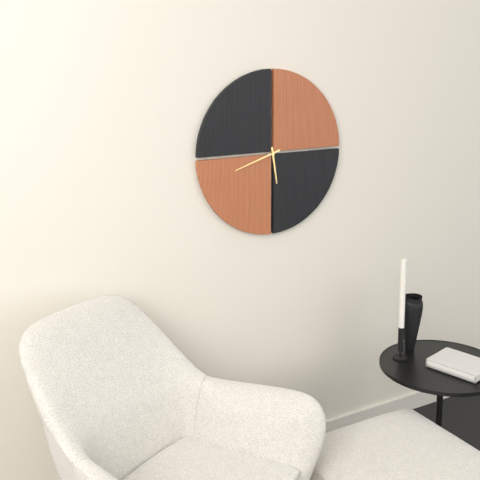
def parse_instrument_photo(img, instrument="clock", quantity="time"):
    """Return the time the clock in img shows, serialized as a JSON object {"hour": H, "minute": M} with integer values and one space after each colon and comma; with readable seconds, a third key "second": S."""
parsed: {"hour": 5, "minute": 42}
